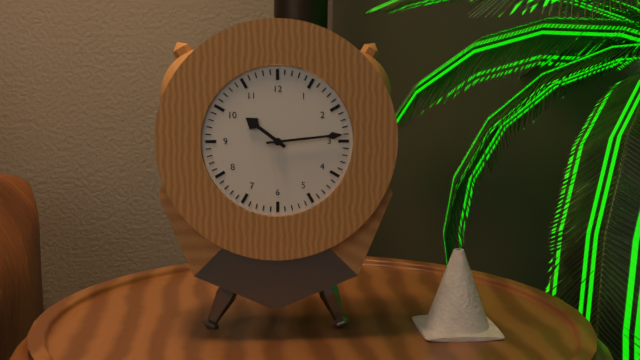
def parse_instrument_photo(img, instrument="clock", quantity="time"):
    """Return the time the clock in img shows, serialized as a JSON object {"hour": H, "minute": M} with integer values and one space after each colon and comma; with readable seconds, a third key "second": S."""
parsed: {"hour": 10, "minute": 14}
